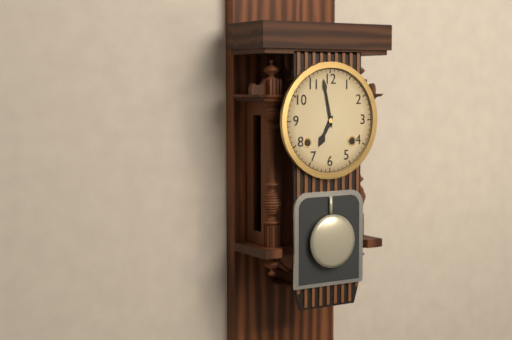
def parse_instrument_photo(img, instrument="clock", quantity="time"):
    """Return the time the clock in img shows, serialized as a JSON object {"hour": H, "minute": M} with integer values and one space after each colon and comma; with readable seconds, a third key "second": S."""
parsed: {"hour": 6, "minute": 58}
